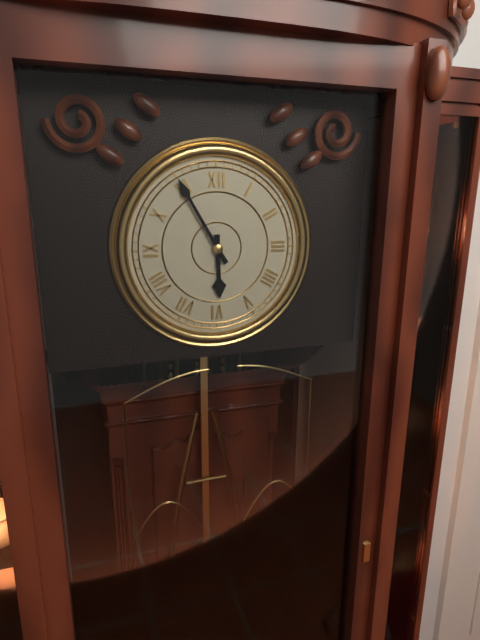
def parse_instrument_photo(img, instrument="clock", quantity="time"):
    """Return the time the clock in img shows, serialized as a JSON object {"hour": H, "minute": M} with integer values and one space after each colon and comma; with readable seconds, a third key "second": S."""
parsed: {"hour": 5, "minute": 55}
